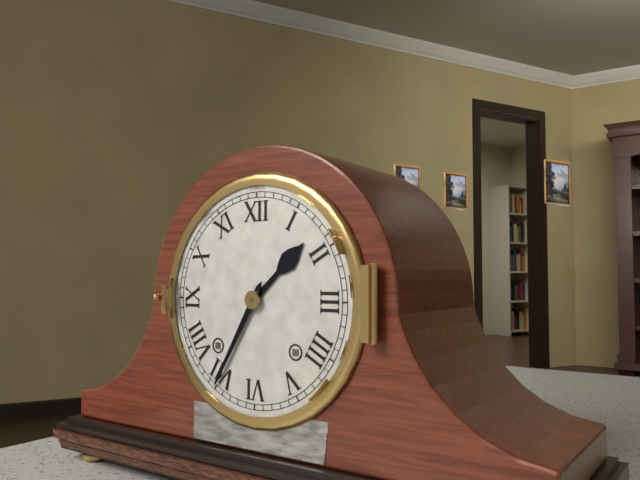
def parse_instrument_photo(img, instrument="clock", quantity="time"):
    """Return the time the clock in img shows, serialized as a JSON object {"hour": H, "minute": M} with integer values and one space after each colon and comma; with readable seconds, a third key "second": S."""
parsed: {"hour": 1, "minute": 35}
